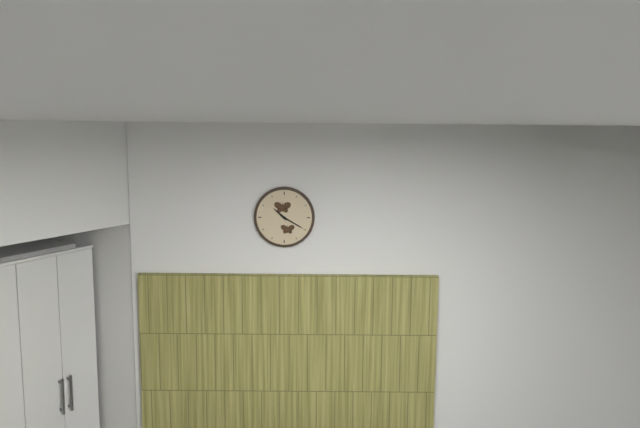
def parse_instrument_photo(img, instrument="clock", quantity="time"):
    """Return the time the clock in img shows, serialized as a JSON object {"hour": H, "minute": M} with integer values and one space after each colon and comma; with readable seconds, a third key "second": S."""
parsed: {"hour": 10, "minute": 20}
